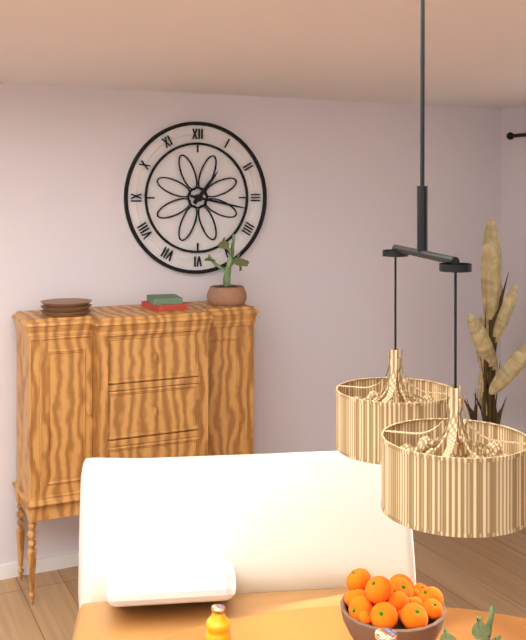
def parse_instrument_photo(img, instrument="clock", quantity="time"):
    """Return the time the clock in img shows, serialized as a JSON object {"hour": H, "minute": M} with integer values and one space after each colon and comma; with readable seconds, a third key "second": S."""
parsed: {"hour": 1, "minute": 17}
